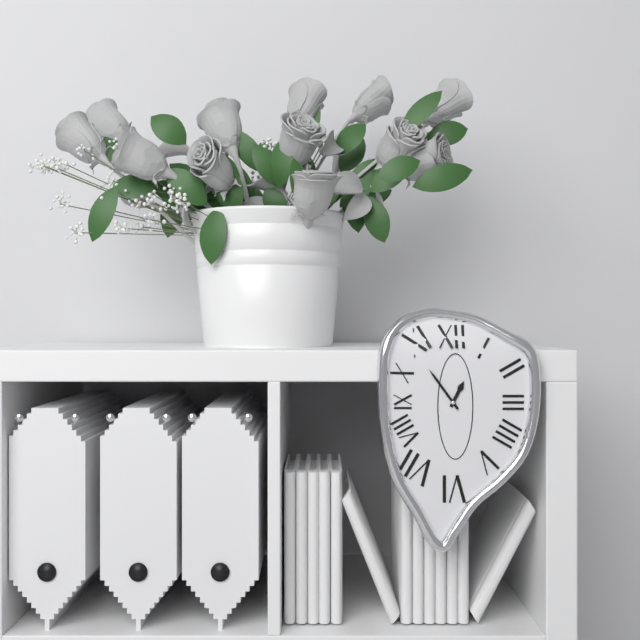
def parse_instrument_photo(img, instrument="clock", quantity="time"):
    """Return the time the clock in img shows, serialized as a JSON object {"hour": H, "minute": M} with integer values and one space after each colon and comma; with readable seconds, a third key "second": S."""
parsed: {"hour": 12, "minute": 54}
